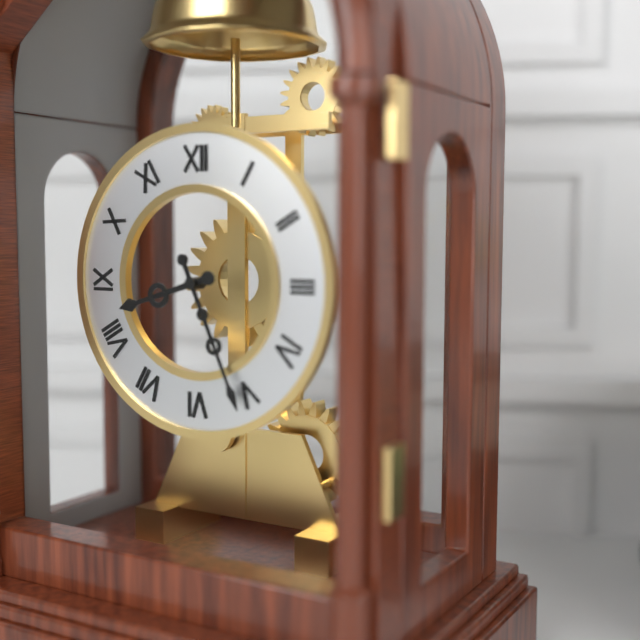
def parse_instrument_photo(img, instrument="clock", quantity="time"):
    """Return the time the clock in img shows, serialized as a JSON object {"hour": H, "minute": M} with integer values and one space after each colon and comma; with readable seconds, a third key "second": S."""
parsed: {"hour": 8, "minute": 26}
